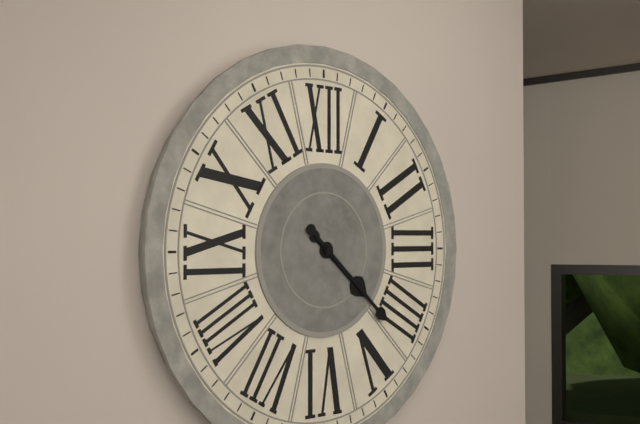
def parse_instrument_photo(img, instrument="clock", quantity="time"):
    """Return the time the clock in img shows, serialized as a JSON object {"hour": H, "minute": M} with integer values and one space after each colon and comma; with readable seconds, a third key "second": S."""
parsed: {"hour": 4, "minute": 22}
